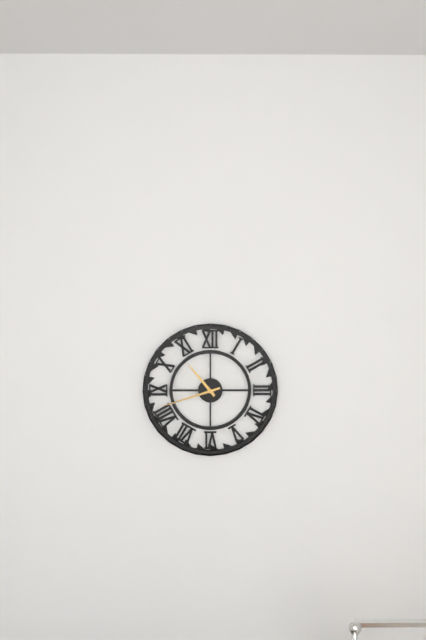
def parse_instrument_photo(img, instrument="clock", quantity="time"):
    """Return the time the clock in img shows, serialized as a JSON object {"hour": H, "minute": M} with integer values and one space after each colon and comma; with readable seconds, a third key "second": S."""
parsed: {"hour": 10, "minute": 42}
